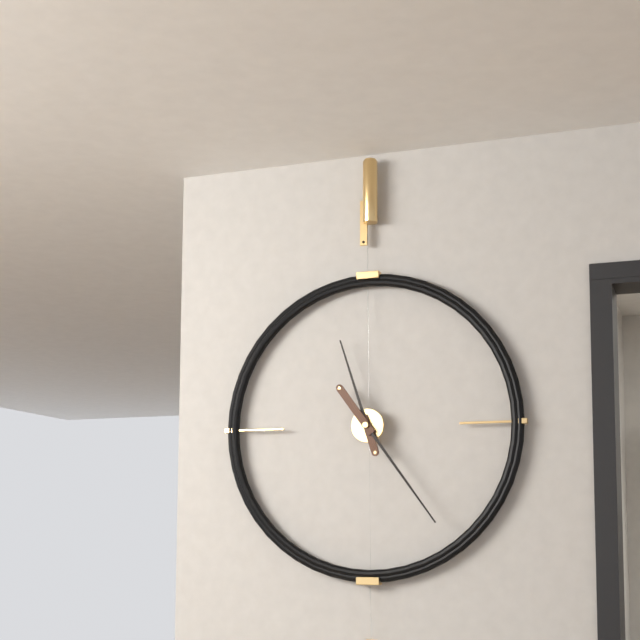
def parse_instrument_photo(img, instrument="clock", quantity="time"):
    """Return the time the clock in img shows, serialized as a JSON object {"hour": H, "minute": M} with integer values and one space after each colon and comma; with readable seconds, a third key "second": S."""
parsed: {"hour": 11, "minute": 24}
